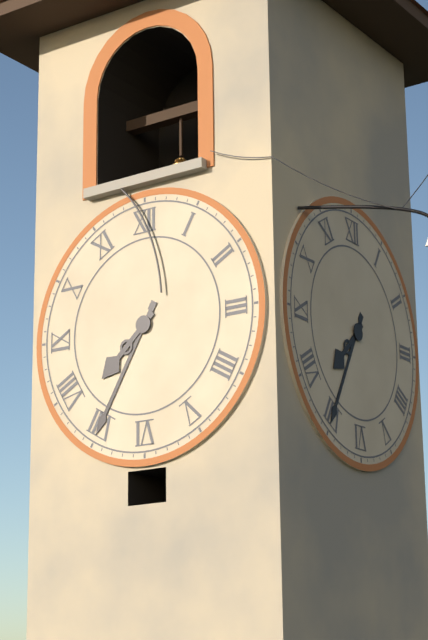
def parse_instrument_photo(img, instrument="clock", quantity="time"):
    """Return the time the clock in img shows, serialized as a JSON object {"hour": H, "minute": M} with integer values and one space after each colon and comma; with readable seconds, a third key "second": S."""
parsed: {"hour": 7, "minute": 35}
